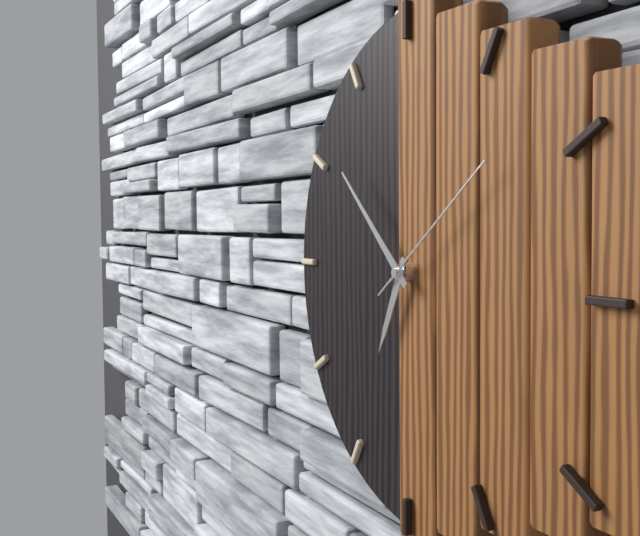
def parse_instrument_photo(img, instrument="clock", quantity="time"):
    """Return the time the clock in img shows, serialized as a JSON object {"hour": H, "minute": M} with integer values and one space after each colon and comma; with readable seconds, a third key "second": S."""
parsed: {"hour": 6, "minute": 52, "second": 9}
